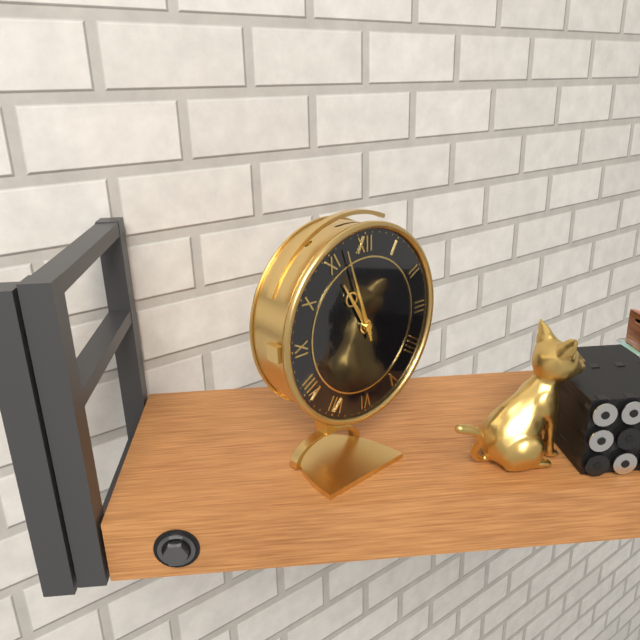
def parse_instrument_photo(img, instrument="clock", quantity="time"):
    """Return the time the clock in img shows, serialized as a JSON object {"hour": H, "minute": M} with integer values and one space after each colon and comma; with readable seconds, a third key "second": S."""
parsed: {"hour": 10, "minute": 57}
